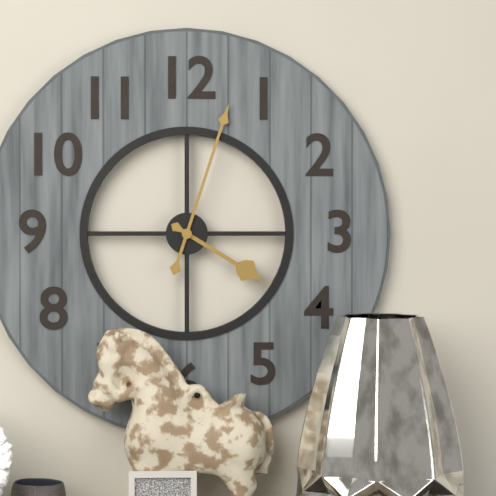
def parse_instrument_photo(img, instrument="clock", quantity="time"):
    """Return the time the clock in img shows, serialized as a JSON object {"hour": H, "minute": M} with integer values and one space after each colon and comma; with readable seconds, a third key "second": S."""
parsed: {"hour": 4, "minute": 3}
